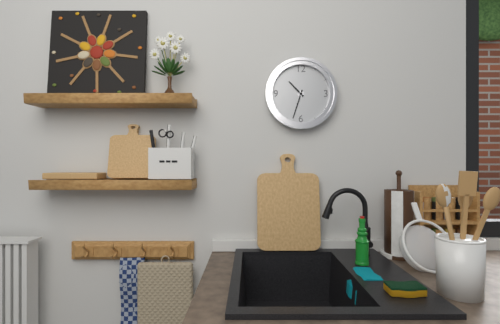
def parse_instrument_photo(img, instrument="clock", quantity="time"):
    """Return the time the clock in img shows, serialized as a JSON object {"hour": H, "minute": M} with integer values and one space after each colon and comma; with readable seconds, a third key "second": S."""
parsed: {"hour": 10, "minute": 33}
